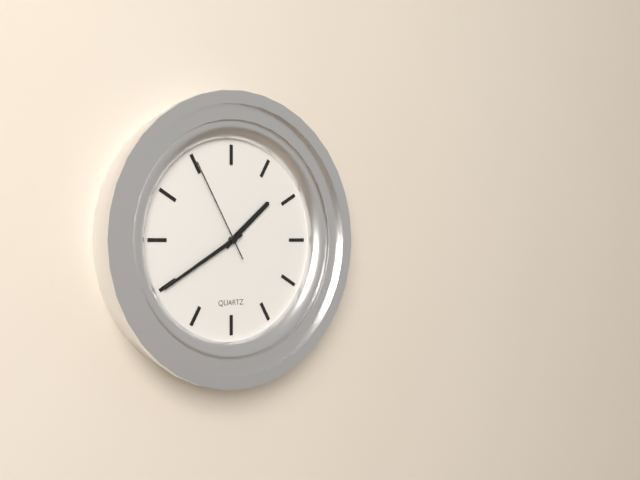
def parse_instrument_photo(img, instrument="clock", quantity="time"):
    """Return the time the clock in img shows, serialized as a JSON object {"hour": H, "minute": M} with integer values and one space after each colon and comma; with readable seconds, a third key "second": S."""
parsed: {"hour": 1, "minute": 40, "second": 55}
